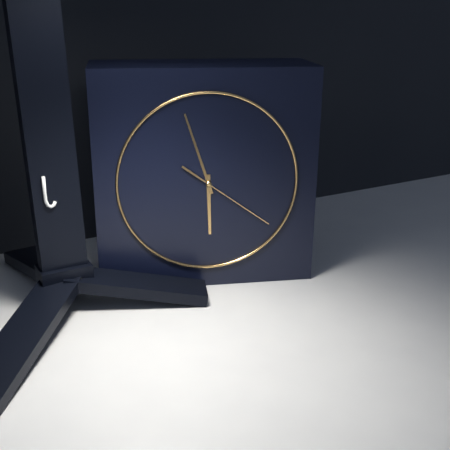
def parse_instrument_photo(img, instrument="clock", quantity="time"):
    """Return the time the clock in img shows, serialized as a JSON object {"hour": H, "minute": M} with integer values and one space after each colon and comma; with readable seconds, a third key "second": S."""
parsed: {"hour": 5, "minute": 57, "second": 21}
